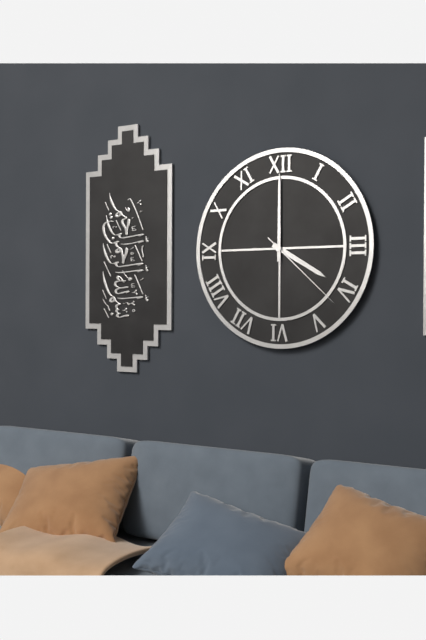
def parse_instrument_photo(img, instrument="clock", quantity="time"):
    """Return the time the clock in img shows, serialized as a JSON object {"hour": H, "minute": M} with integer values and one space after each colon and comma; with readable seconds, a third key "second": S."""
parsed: {"hour": 4, "minute": 0, "second": 22}
